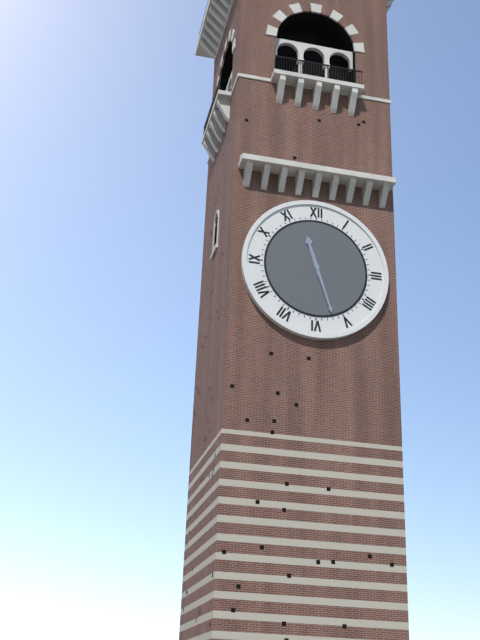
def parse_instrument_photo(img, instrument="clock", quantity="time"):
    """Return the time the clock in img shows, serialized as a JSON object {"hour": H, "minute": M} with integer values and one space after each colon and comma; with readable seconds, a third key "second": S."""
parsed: {"hour": 11, "minute": 27}
